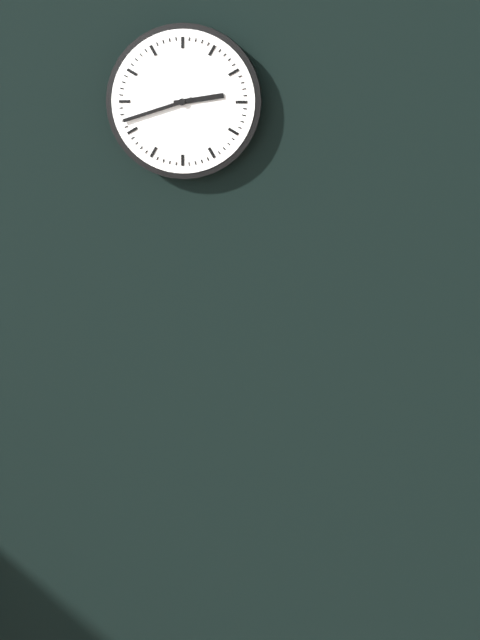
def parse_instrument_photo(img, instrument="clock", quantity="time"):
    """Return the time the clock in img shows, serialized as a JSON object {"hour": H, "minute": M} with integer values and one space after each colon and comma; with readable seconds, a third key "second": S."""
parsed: {"hour": 2, "minute": 42}
